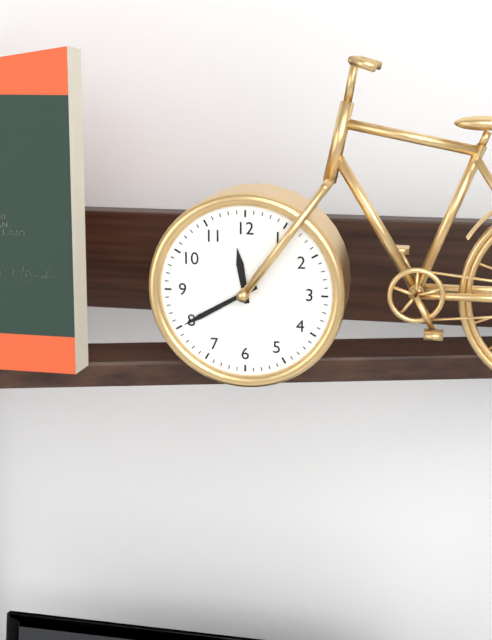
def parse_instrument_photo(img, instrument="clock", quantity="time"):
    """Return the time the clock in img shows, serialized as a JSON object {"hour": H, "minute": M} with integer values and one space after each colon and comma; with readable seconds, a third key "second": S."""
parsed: {"hour": 11, "minute": 40}
